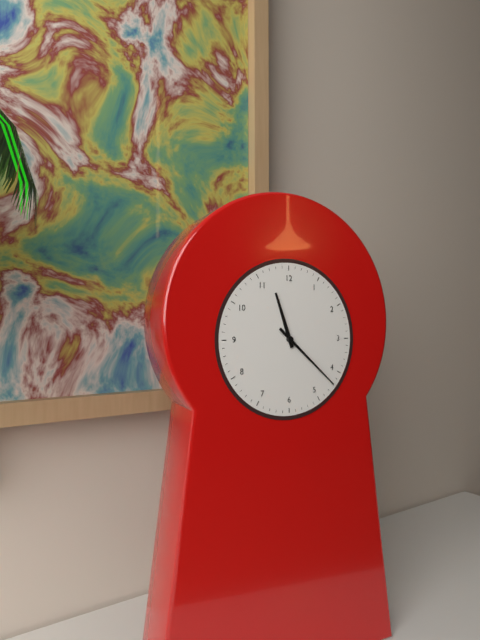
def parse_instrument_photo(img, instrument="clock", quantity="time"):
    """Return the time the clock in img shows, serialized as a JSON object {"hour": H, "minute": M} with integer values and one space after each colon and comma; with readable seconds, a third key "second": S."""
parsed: {"hour": 11, "minute": 22}
